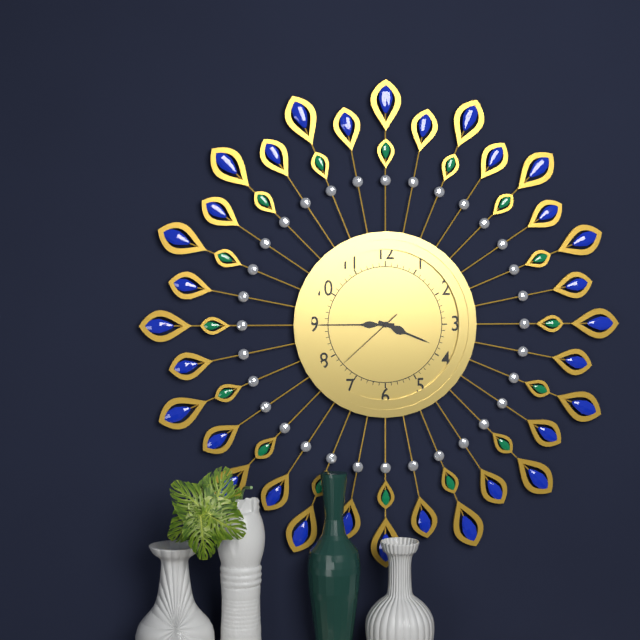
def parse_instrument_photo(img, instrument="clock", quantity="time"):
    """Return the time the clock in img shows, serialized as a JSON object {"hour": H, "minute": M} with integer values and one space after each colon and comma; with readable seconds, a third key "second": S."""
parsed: {"hour": 3, "minute": 45, "second": 38}
